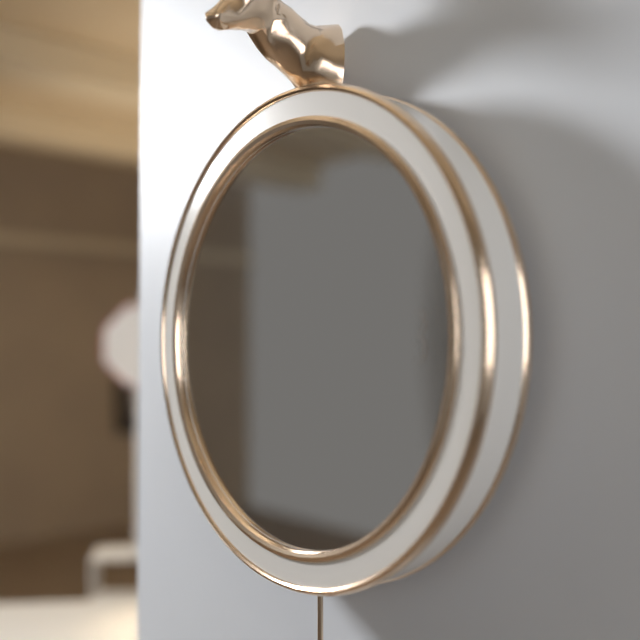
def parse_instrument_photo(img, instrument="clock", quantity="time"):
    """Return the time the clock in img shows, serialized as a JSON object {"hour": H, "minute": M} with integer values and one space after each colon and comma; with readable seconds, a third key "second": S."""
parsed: {"hour": 6, "minute": 12}
